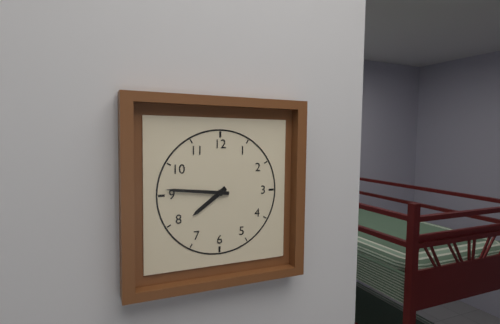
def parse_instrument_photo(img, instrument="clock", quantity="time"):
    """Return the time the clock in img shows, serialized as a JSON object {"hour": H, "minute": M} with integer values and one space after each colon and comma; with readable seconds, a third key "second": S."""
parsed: {"hour": 7, "minute": 46}
